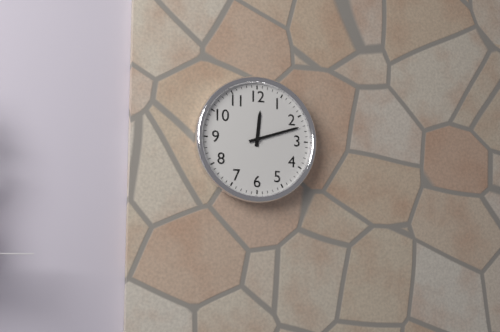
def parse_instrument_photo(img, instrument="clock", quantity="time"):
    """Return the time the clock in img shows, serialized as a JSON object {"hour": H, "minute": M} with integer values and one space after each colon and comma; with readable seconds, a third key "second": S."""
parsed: {"hour": 12, "minute": 12}
